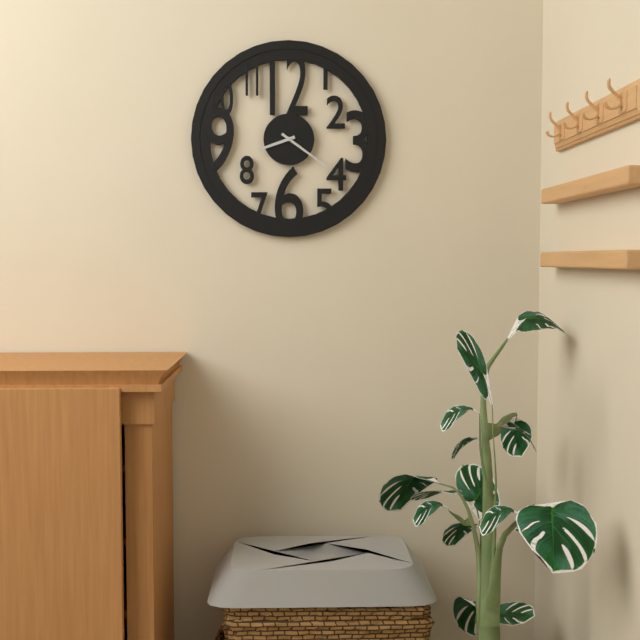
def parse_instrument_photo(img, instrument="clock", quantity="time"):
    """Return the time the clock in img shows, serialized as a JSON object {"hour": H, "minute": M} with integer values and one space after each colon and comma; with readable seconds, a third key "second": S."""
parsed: {"hour": 8, "minute": 21}
